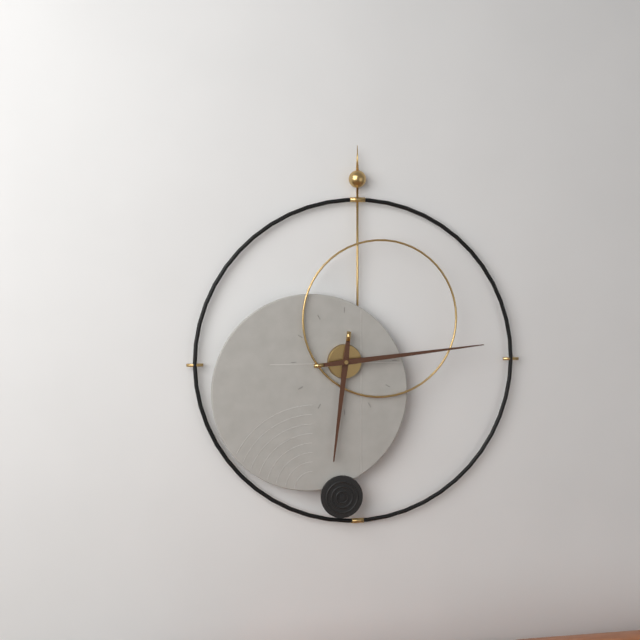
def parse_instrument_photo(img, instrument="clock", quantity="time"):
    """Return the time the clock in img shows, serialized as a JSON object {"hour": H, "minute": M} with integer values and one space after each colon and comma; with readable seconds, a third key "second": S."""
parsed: {"hour": 6, "minute": 14}
